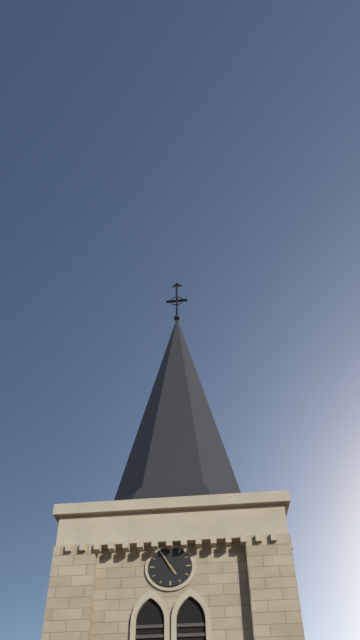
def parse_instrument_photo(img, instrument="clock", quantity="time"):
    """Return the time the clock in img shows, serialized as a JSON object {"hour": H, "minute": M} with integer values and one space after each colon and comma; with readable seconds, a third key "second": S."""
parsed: {"hour": 4, "minute": 55}
